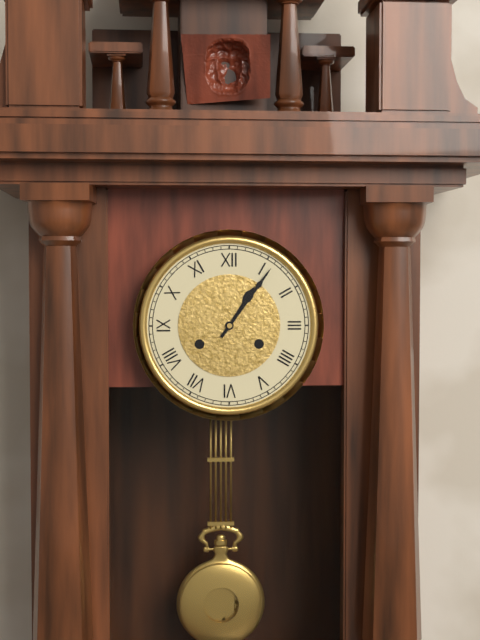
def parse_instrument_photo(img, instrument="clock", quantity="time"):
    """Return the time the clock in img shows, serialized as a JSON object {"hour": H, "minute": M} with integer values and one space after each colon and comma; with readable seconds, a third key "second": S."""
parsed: {"hour": 1, "minute": 6}
